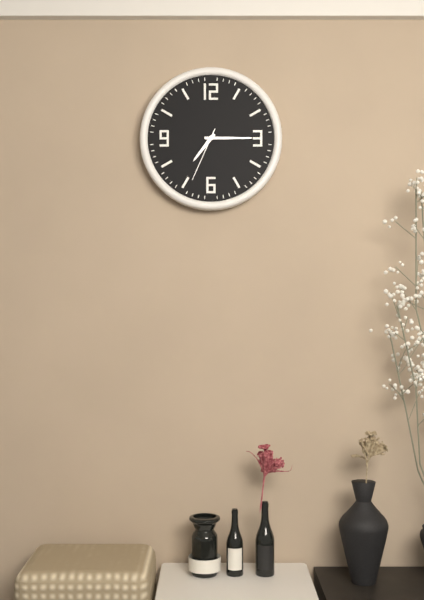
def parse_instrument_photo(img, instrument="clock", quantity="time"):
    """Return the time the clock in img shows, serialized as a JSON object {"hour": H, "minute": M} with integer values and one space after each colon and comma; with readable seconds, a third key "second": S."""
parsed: {"hour": 7, "minute": 15, "second": 34}
